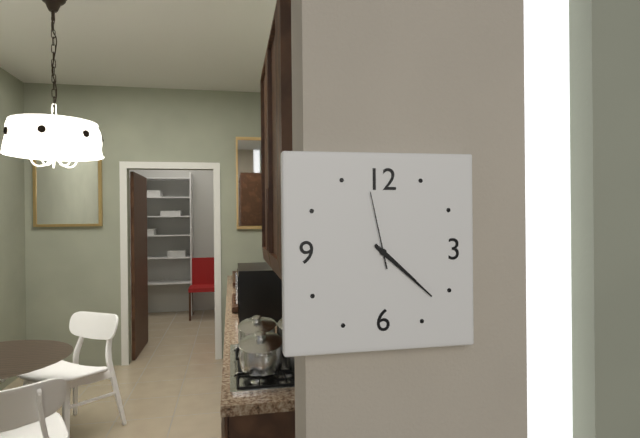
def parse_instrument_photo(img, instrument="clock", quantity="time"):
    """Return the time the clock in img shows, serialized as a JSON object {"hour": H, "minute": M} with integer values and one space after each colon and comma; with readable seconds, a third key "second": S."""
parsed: {"hour": 4, "minute": 22, "second": 58}
